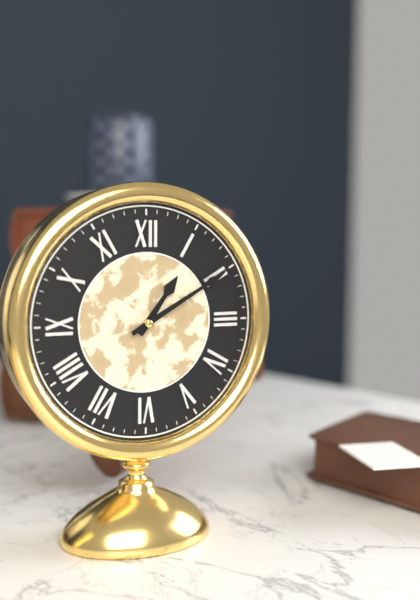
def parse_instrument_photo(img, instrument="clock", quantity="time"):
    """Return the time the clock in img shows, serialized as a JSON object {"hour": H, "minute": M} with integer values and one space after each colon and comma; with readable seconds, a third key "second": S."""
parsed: {"hour": 1, "minute": 10}
